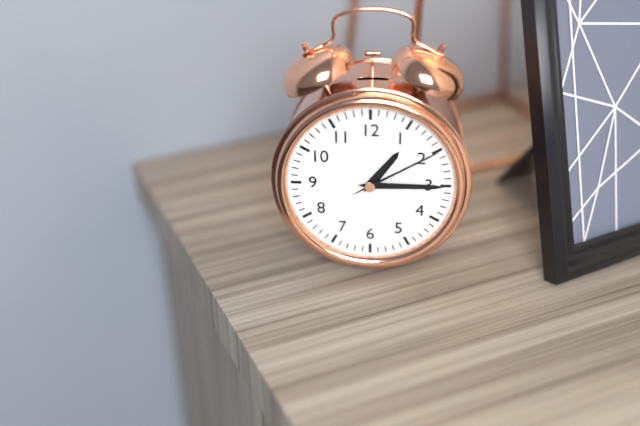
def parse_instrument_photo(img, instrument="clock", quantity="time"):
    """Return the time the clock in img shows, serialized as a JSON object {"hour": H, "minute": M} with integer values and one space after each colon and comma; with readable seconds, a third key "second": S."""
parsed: {"hour": 1, "minute": 15, "second": 10}
